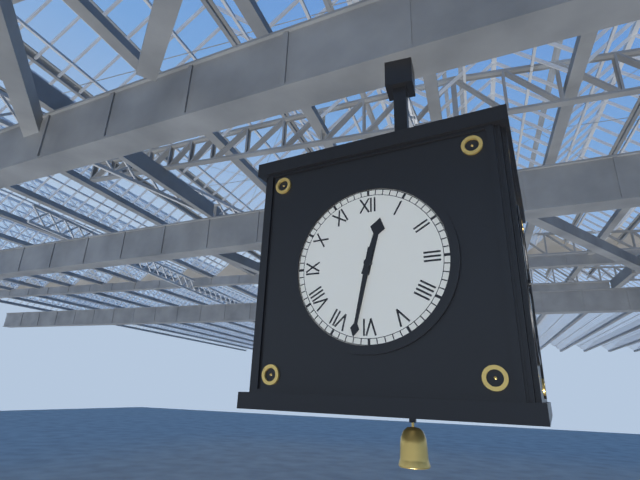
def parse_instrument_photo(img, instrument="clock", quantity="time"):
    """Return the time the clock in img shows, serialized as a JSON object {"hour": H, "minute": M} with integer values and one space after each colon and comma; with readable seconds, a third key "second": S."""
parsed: {"hour": 12, "minute": 32}
